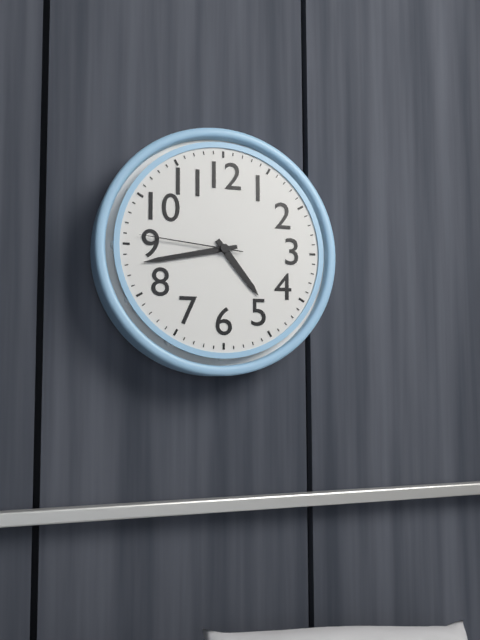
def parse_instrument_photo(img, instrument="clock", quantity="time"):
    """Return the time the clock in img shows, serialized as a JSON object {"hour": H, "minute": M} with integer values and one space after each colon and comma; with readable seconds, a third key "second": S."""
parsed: {"hour": 4, "minute": 43, "second": 46}
